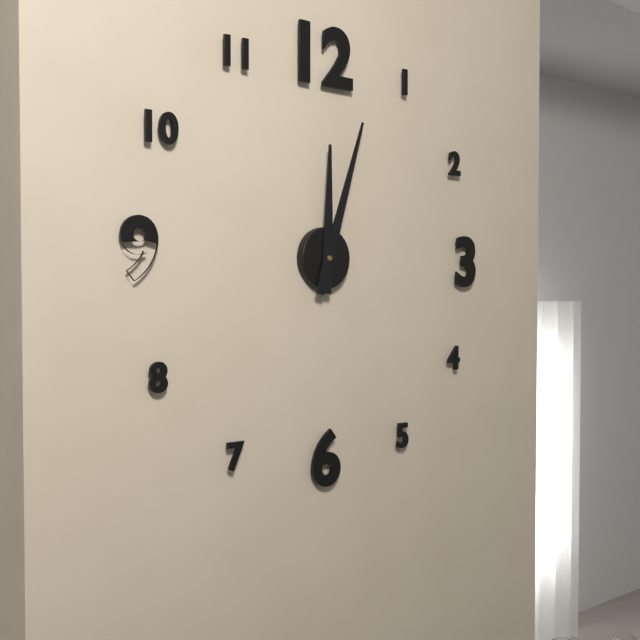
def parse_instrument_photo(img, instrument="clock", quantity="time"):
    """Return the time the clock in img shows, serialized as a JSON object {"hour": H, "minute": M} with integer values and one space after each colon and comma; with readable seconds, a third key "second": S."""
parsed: {"hour": 12, "minute": 3}
